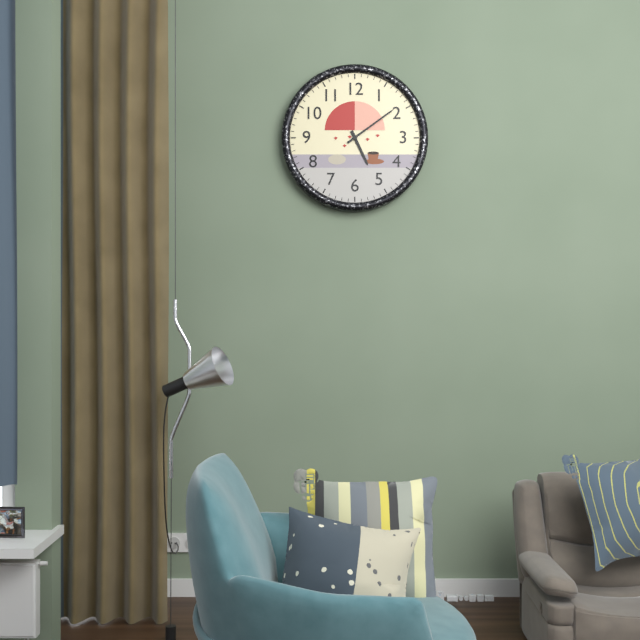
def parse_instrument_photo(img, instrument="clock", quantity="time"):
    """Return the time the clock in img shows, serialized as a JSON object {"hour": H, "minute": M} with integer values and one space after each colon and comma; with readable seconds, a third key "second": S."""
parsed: {"hour": 5, "minute": 9}
